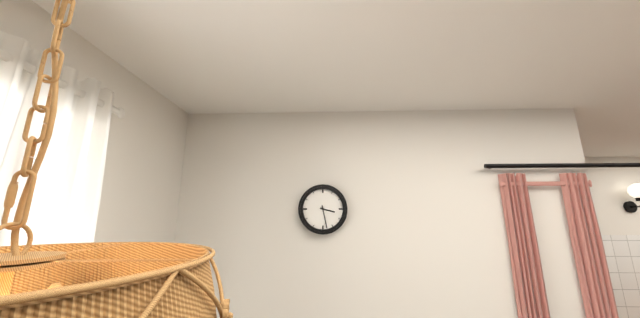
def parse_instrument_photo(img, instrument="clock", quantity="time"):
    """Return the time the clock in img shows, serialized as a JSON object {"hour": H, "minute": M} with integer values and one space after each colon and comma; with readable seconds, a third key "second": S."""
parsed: {"hour": 3, "minute": 28}
